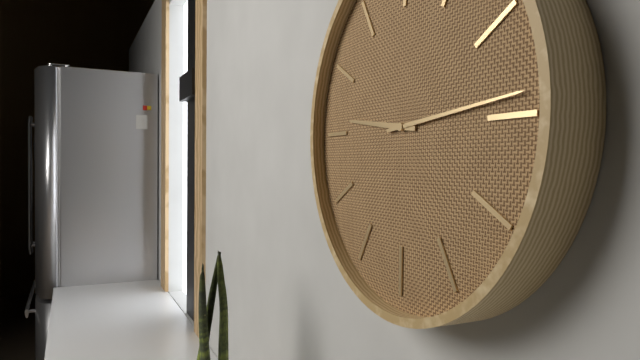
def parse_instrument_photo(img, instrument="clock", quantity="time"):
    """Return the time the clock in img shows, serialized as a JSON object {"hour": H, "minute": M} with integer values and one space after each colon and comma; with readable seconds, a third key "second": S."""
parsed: {"hour": 9, "minute": 14}
